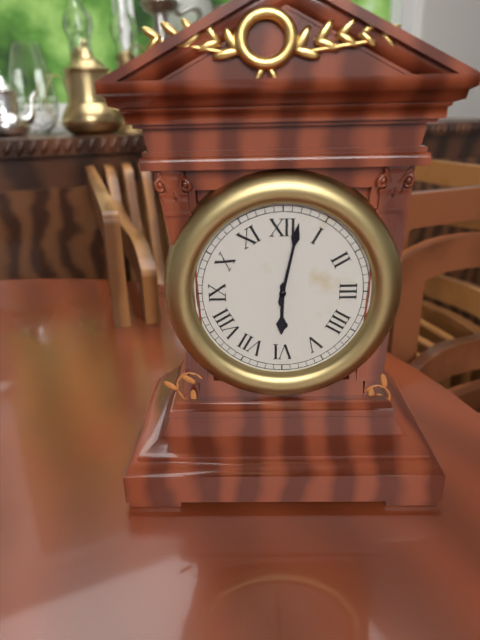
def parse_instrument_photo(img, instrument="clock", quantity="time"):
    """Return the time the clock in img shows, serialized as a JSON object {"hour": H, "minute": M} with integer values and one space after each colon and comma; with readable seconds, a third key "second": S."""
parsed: {"hour": 6, "minute": 2}
